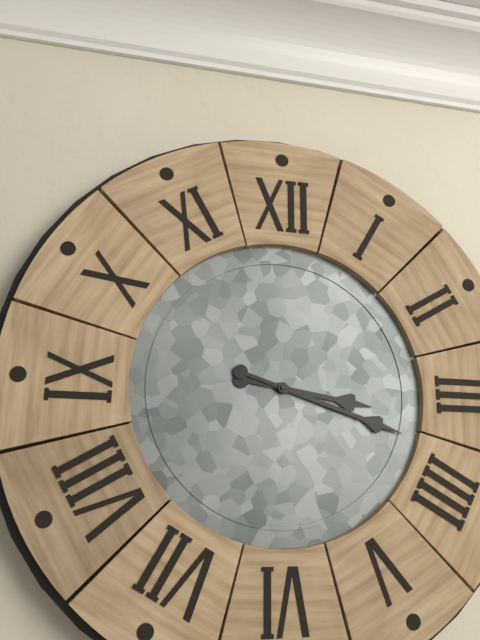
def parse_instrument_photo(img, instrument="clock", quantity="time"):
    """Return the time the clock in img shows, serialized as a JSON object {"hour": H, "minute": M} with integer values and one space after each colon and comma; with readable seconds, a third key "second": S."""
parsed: {"hour": 3, "minute": 18}
